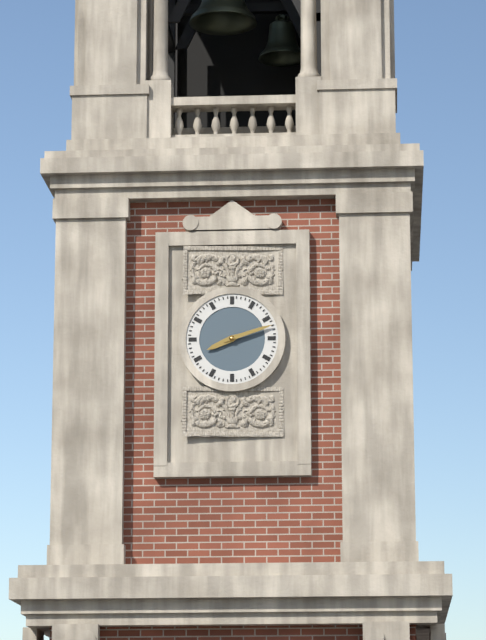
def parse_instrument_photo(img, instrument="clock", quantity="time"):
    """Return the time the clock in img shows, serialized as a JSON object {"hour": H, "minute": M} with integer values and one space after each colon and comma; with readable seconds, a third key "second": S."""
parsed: {"hour": 8, "minute": 12}
